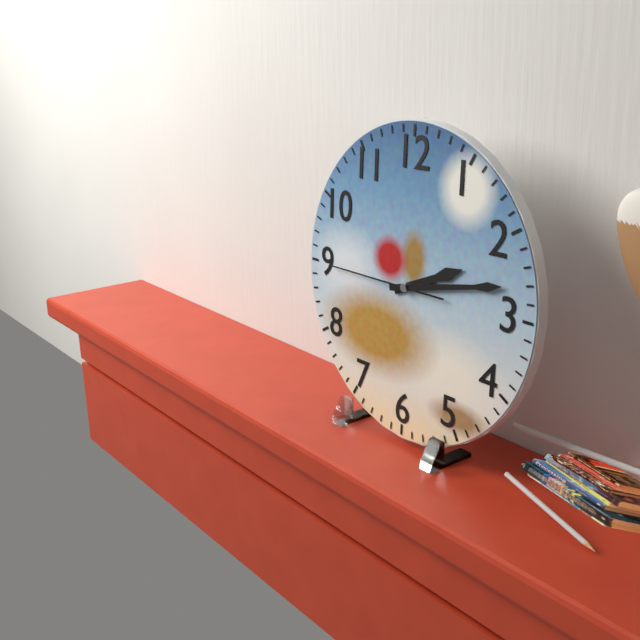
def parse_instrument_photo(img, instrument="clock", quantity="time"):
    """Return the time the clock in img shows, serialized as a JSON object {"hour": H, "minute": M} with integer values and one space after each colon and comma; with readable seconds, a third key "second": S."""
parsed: {"hour": 2, "minute": 13, "second": 45}
